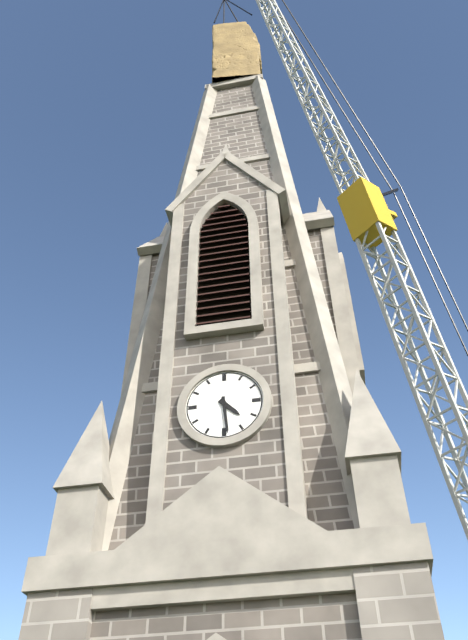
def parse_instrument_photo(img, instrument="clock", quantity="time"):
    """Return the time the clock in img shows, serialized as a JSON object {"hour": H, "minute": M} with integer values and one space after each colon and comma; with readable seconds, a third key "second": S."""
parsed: {"hour": 4, "minute": 29}
